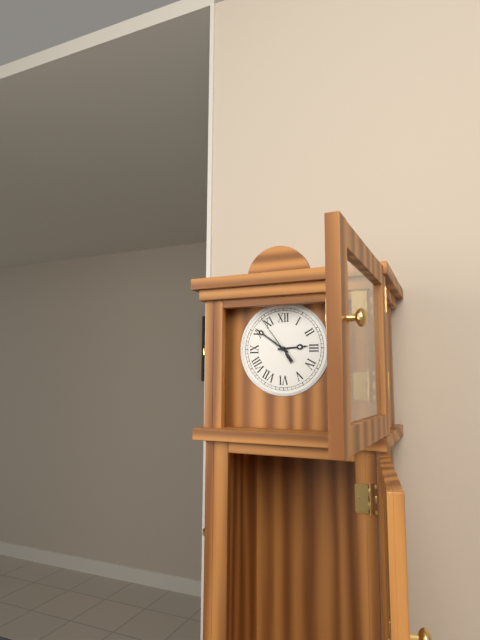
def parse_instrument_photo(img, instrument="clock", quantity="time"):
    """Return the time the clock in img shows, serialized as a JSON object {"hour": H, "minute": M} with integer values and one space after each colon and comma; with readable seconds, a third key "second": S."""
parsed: {"hour": 2, "minute": 51}
